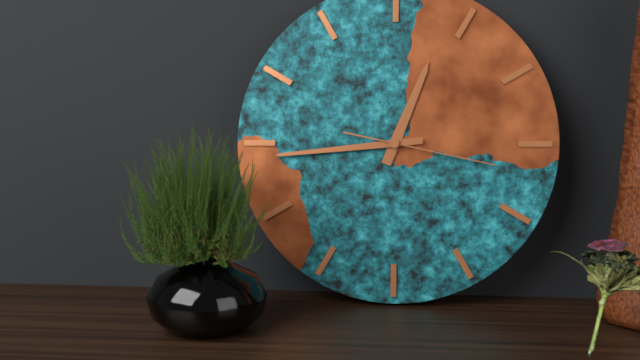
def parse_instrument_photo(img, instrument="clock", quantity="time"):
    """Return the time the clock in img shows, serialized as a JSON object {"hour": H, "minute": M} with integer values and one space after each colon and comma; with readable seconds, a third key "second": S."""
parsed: {"hour": 12, "minute": 44, "second": 17}
